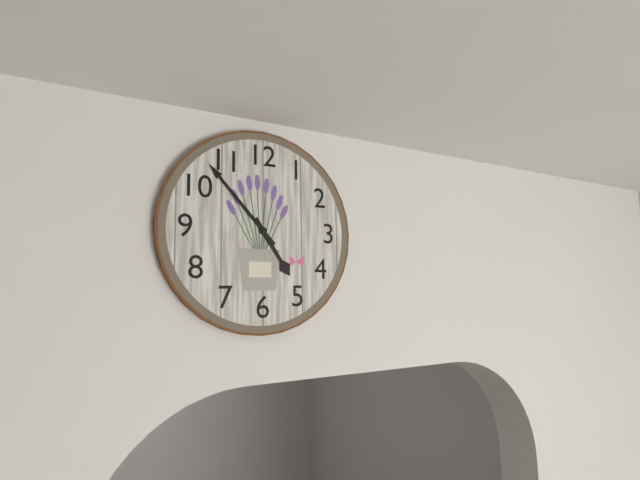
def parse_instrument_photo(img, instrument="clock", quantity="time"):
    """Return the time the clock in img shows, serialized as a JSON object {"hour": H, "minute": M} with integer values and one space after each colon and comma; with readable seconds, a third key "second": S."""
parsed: {"hour": 4, "minute": 53}
